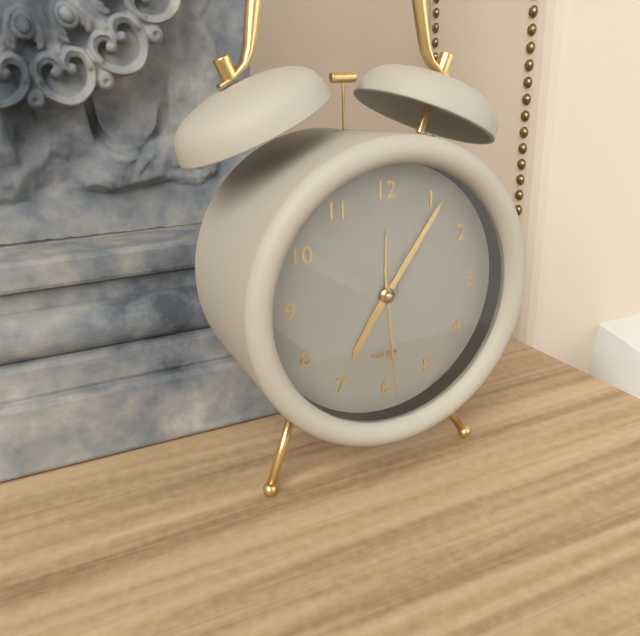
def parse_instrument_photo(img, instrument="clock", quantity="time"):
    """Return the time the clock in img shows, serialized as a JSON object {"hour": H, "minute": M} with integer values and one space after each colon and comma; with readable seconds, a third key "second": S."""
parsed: {"hour": 7, "minute": 6, "second": 29}
